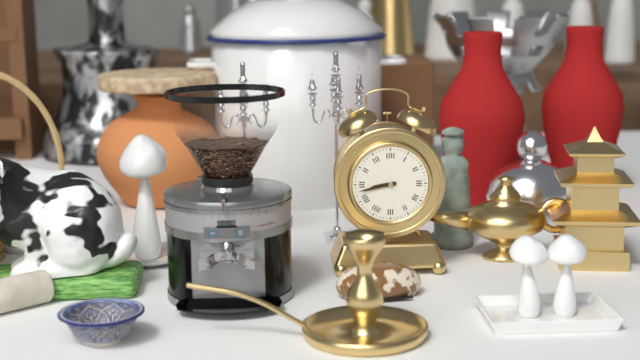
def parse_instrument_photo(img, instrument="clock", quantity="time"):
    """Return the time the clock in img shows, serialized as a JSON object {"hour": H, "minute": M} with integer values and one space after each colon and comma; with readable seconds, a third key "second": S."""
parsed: {"hour": 8, "minute": 43}
